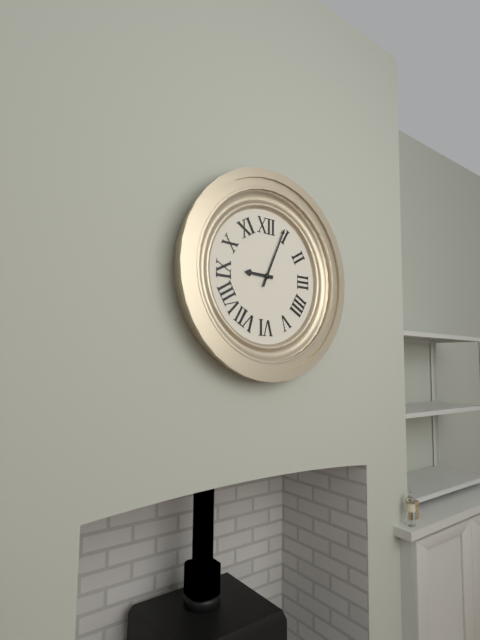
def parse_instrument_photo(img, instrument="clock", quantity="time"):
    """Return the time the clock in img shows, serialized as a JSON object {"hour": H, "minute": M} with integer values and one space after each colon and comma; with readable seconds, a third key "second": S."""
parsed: {"hour": 9, "minute": 4}
